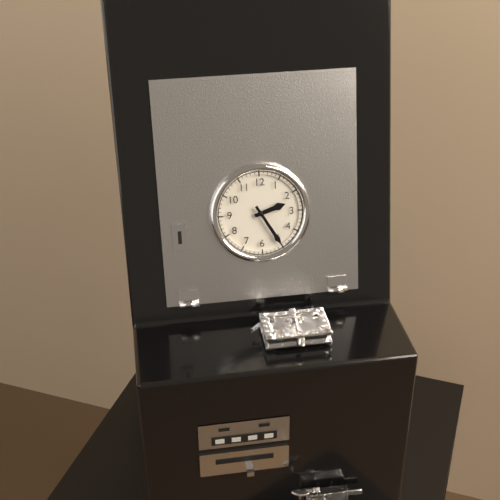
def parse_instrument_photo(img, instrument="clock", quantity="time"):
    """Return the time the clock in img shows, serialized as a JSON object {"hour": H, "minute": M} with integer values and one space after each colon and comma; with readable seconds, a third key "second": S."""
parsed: {"hour": 2, "minute": 25}
